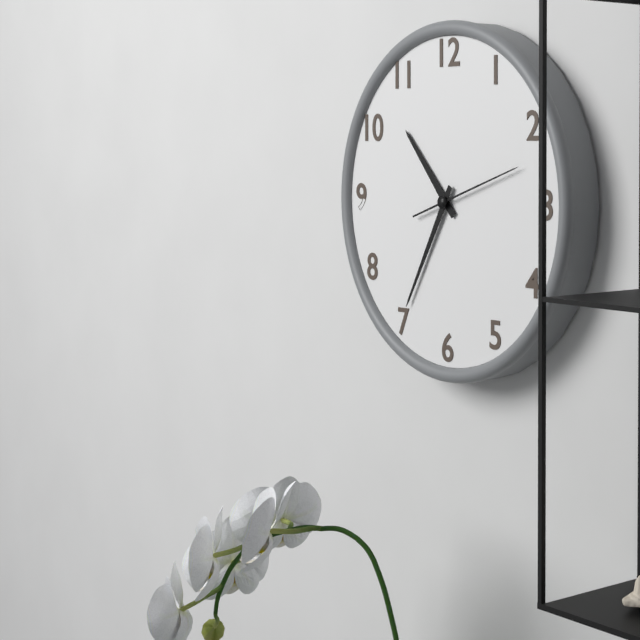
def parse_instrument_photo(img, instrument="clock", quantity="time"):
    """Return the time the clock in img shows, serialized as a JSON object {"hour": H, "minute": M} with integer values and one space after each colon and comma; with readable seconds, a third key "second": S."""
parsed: {"hour": 10, "minute": 35, "second": 12}
